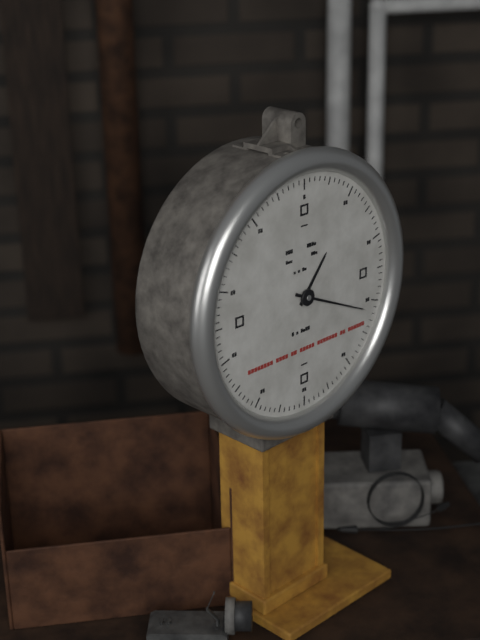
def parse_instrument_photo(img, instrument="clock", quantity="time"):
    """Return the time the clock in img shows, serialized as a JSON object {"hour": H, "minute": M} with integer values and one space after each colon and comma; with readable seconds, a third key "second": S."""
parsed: {"hour": 1, "minute": 19}
